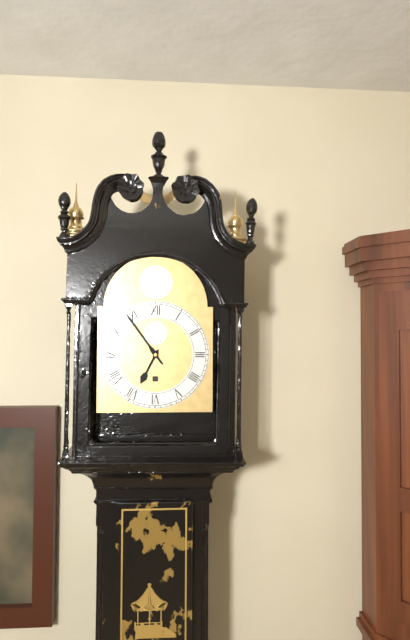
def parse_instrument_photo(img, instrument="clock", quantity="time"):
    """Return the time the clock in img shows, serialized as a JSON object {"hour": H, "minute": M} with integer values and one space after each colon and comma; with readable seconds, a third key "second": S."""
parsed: {"hour": 6, "minute": 54}
